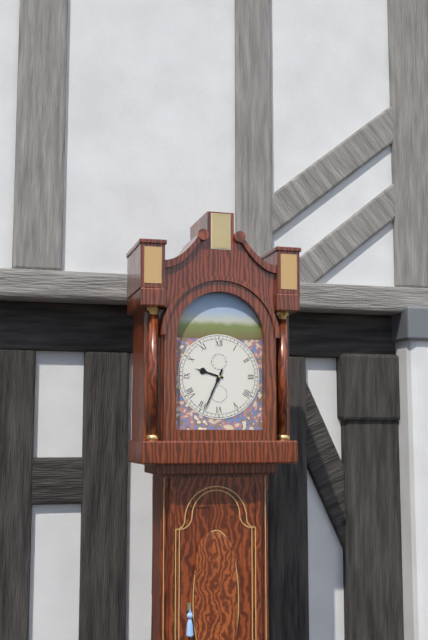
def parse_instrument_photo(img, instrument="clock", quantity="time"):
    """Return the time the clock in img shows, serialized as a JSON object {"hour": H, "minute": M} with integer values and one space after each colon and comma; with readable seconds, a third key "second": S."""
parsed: {"hour": 9, "minute": 34}
